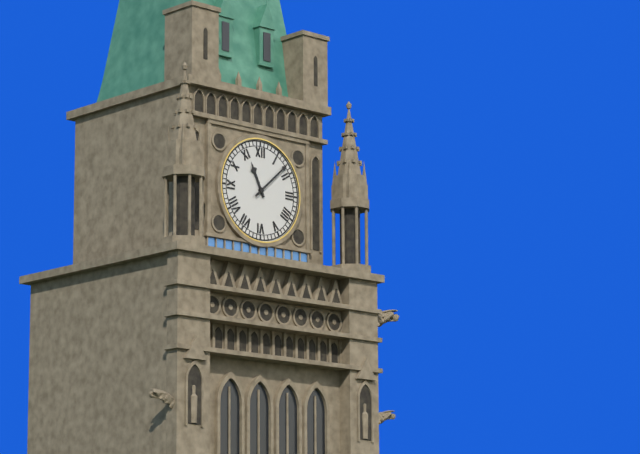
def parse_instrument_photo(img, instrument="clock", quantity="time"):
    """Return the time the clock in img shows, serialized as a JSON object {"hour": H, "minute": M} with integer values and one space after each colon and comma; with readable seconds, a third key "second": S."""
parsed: {"hour": 11, "minute": 8}
